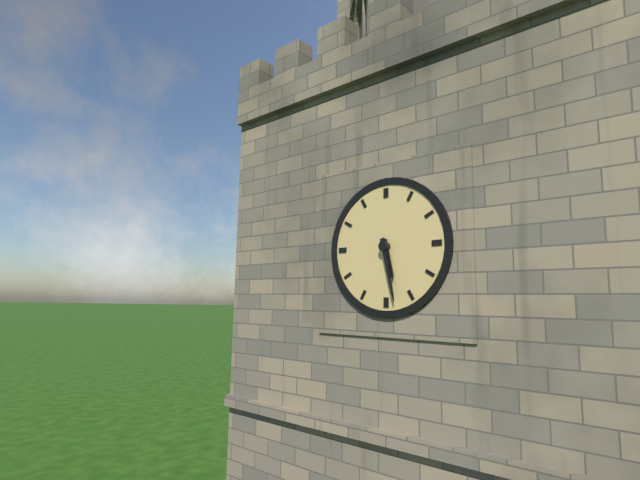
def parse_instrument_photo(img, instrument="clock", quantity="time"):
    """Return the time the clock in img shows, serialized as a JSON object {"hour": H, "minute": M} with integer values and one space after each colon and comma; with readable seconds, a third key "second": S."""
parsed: {"hour": 5, "minute": 28}
